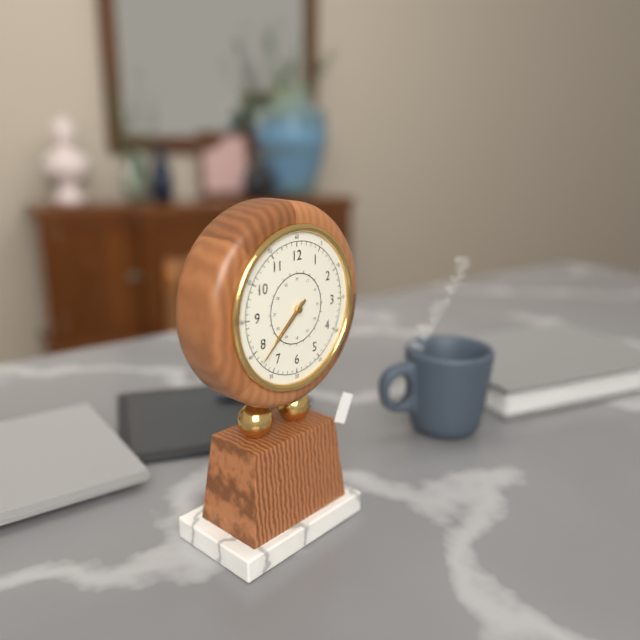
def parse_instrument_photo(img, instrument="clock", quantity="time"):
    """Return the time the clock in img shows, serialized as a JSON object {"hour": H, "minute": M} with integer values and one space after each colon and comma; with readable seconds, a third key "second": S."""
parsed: {"hour": 7, "minute": 38}
